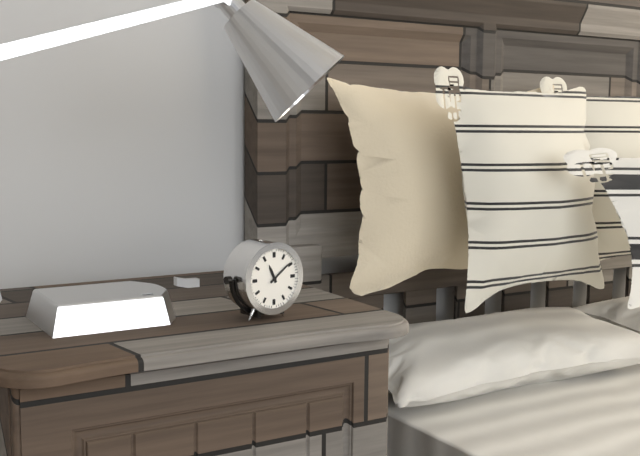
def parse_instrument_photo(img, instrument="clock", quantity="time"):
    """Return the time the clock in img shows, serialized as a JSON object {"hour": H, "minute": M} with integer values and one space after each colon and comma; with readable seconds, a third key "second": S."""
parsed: {"hour": 11, "minute": 9}
